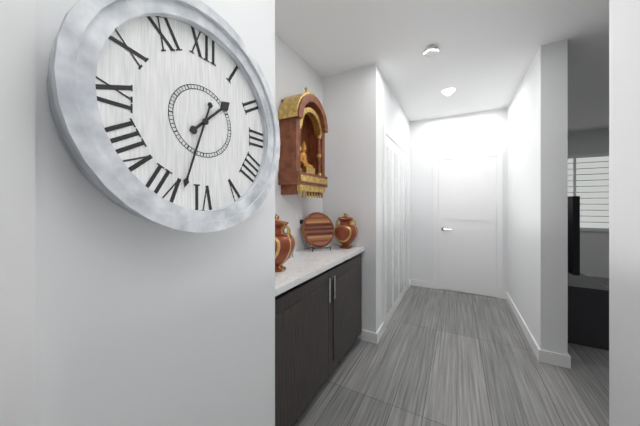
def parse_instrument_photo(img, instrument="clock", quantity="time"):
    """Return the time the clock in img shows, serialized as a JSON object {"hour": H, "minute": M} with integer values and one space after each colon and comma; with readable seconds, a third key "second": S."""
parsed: {"hour": 1, "minute": 33}
